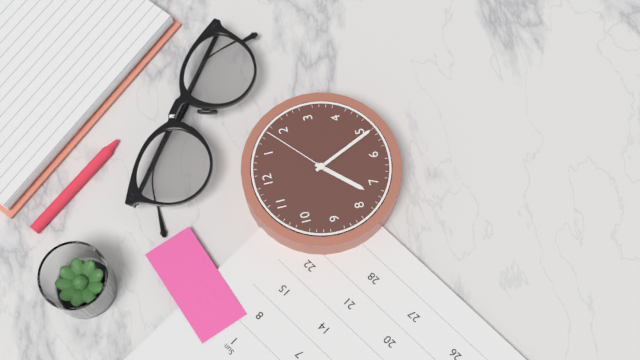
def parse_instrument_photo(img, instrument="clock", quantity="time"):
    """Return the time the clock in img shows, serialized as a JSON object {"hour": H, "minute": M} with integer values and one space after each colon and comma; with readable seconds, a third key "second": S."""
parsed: {"hour": 7, "minute": 26, "second": 8}
